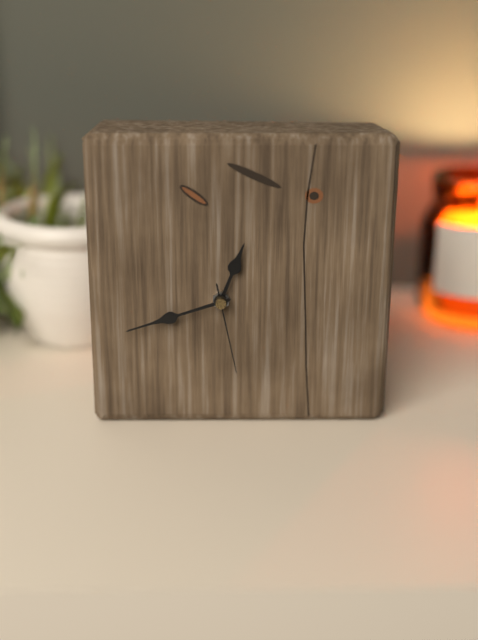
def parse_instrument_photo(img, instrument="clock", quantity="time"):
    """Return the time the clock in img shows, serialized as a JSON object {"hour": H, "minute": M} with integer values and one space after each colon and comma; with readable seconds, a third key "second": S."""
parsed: {"hour": 12, "minute": 42, "second": 28}
